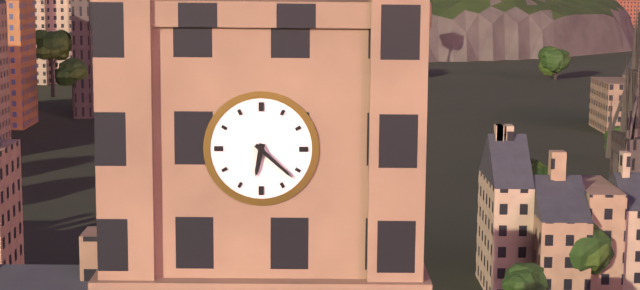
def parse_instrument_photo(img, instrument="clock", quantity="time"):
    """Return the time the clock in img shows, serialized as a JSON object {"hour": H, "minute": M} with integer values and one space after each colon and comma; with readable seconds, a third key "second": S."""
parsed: {"hour": 6, "minute": 22}
